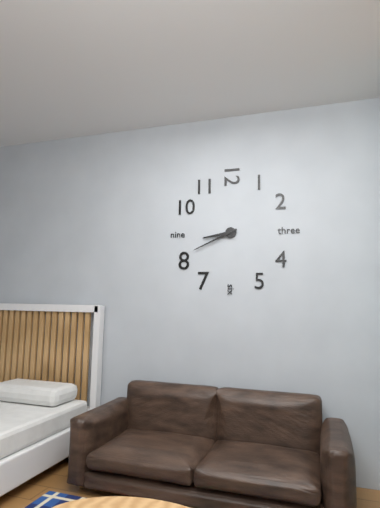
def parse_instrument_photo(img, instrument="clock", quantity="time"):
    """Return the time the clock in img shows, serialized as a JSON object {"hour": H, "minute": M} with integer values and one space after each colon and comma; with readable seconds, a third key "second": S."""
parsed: {"hour": 8, "minute": 41}
